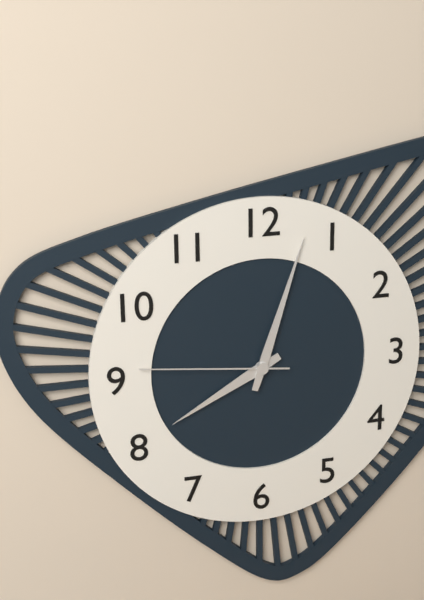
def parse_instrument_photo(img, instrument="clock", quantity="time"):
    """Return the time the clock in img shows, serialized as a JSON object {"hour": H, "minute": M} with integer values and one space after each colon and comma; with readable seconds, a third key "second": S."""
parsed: {"hour": 8, "minute": 3, "second": 46}
